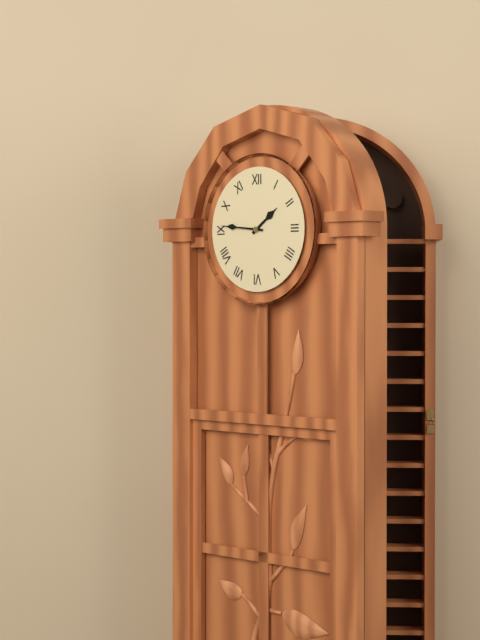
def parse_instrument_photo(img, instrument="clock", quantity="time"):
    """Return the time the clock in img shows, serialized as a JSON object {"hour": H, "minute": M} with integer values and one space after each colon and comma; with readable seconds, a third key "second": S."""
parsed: {"hour": 1, "minute": 46}
